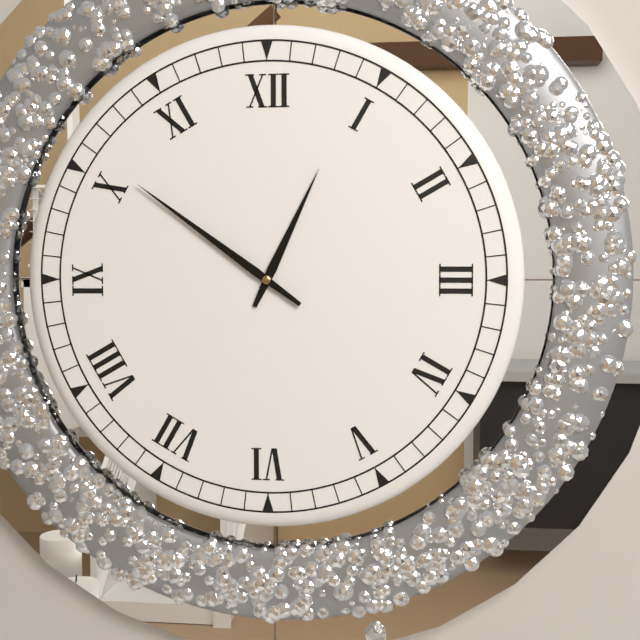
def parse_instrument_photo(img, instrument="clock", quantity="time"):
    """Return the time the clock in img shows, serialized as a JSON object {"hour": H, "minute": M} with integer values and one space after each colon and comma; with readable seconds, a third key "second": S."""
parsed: {"hour": 12, "minute": 51}
